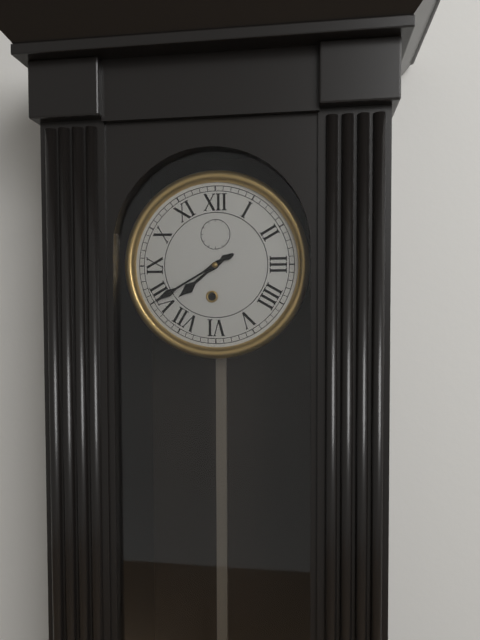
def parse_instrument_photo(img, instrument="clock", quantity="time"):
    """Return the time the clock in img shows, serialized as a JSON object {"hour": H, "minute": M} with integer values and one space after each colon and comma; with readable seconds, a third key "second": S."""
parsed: {"hour": 7, "minute": 40}
